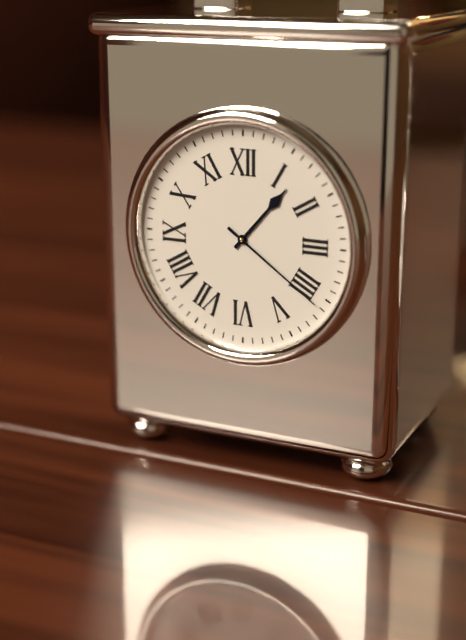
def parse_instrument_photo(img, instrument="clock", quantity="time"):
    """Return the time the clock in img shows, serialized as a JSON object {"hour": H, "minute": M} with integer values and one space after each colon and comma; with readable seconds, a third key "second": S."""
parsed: {"hour": 1, "minute": 21}
